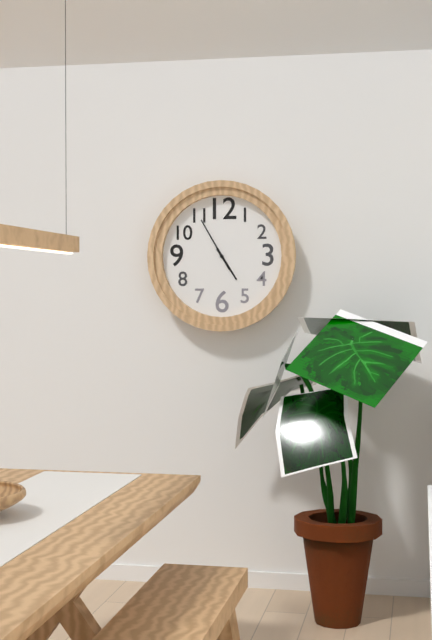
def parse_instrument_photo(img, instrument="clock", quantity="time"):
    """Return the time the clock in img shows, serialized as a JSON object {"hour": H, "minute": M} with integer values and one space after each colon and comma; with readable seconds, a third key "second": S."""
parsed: {"hour": 4, "minute": 55}
